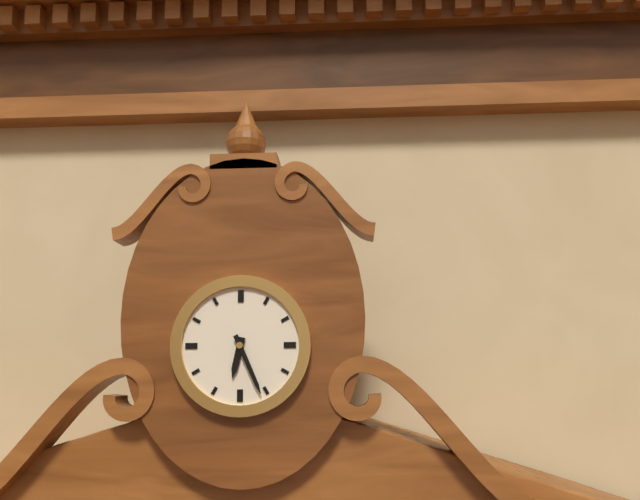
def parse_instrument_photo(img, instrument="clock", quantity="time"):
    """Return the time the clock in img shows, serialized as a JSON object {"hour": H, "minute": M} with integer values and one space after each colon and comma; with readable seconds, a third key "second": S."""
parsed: {"hour": 6, "minute": 26}
